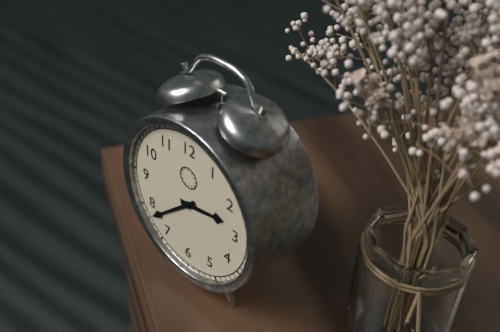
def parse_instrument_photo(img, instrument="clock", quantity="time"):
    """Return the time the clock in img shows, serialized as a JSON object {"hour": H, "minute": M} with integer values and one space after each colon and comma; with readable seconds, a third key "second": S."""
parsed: {"hour": 2, "minute": 38}
